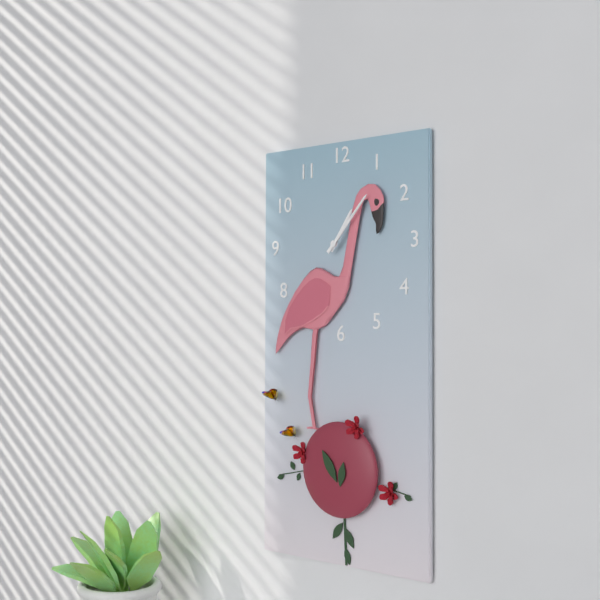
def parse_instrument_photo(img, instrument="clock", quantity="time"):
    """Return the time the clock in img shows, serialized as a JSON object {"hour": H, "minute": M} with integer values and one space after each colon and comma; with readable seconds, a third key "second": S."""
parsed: {"hour": 1, "minute": 7}
